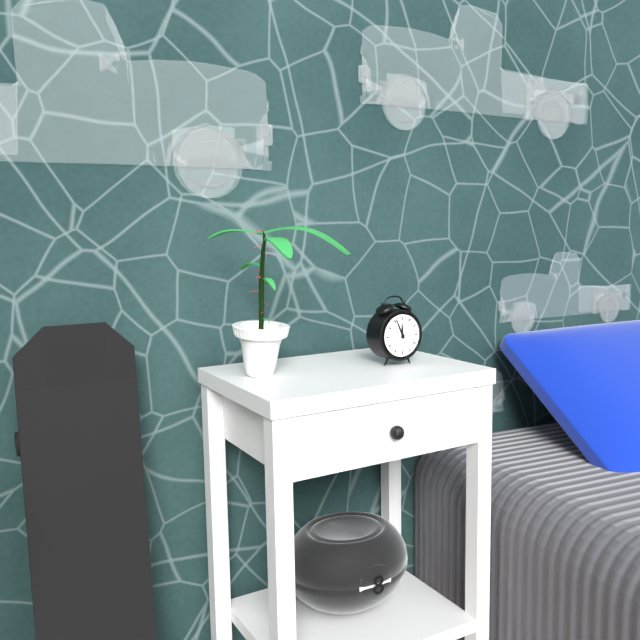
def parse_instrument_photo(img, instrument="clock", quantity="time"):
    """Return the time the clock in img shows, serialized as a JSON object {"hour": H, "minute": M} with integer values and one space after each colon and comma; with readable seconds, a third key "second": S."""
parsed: {"hour": 11, "minute": 56}
